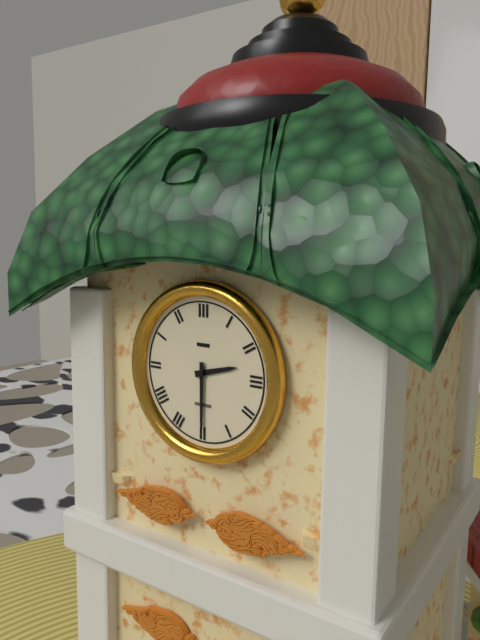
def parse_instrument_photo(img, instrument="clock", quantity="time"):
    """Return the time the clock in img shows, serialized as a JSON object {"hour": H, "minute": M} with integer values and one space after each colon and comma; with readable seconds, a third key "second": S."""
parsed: {"hour": 2, "minute": 30}
